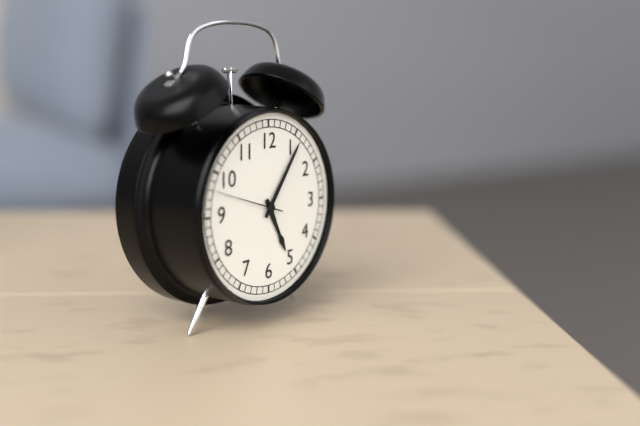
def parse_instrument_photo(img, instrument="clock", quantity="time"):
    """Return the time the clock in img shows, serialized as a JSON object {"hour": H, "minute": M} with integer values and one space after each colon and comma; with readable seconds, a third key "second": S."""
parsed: {"hour": 5, "minute": 6, "second": 48}
